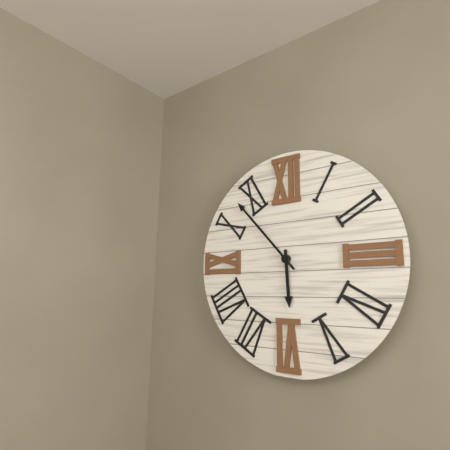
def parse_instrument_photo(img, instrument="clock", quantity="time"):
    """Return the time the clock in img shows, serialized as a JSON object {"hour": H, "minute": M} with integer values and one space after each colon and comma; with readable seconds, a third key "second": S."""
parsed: {"hour": 5, "minute": 53}
